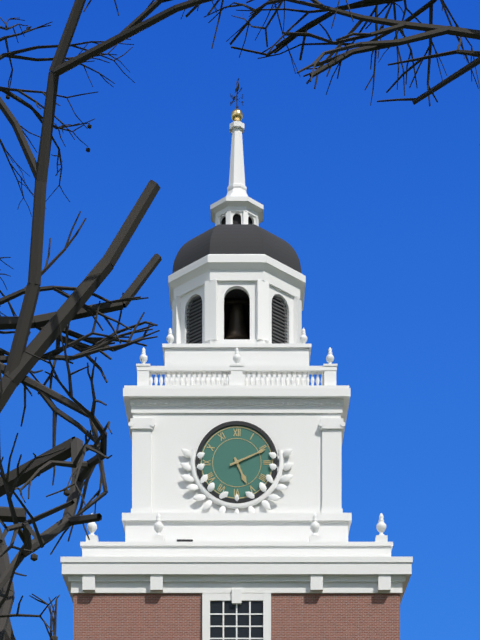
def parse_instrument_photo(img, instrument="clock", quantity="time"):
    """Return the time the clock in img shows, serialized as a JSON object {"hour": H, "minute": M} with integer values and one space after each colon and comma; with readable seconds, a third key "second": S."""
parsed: {"hour": 5, "minute": 11}
